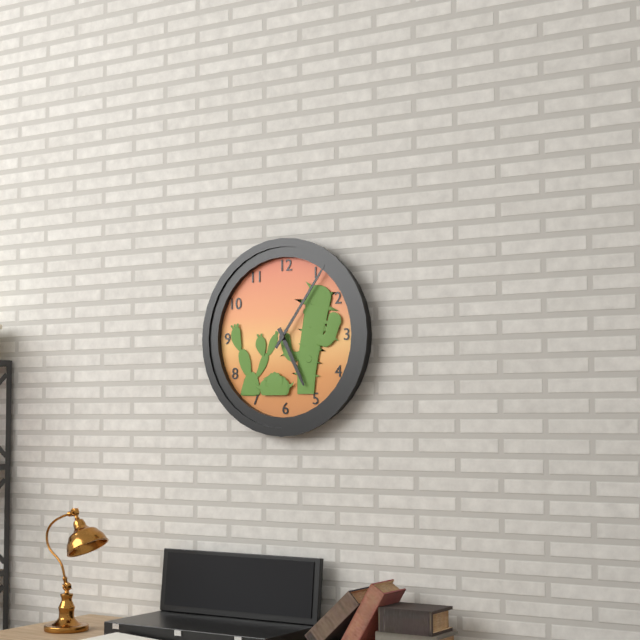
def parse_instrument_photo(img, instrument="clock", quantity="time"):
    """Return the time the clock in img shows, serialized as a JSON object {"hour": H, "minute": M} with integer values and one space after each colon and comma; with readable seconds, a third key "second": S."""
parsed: {"hour": 5, "minute": 6}
